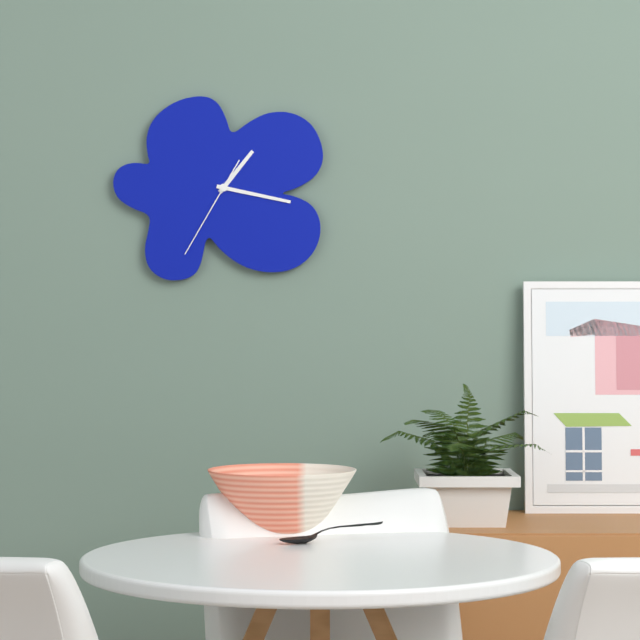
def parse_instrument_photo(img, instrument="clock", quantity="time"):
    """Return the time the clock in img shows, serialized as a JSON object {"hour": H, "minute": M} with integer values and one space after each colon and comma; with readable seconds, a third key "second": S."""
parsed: {"hour": 1, "minute": 17, "second": 35}
